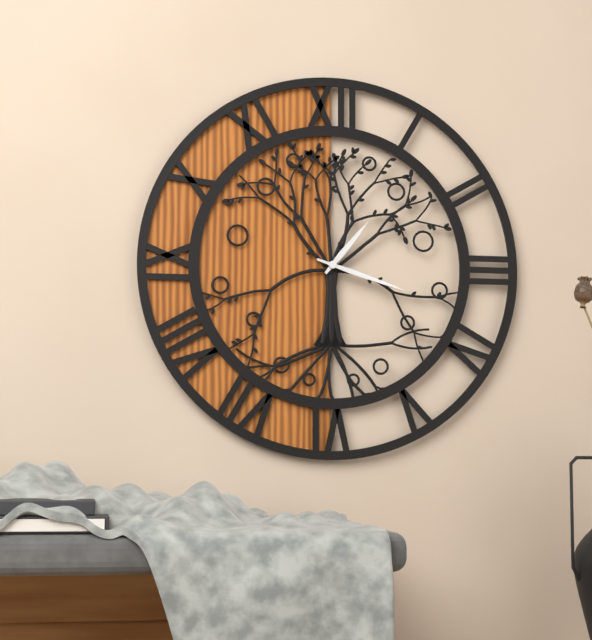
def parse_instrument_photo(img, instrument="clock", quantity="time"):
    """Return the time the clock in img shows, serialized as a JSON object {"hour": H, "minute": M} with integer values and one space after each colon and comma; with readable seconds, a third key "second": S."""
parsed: {"hour": 1, "minute": 18}
